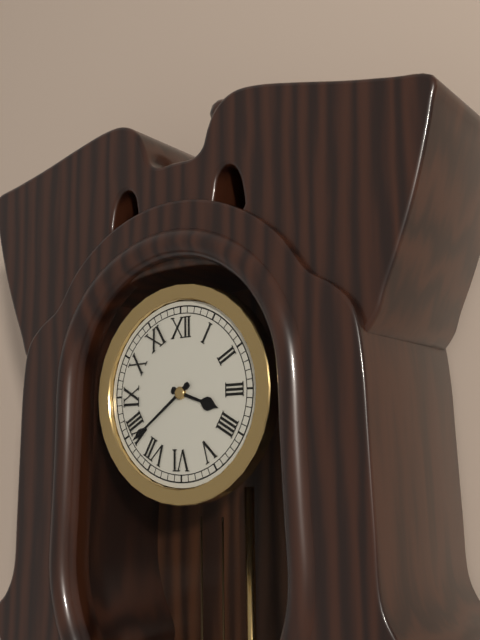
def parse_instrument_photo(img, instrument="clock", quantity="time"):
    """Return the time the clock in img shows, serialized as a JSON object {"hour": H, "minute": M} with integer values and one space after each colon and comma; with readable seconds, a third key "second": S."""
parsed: {"hour": 3, "minute": 39}
